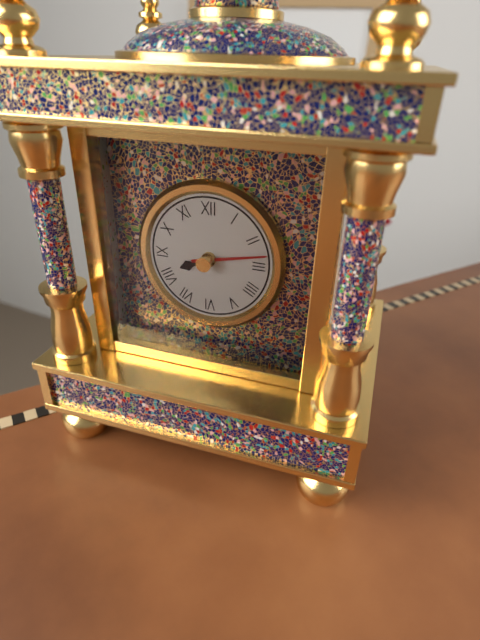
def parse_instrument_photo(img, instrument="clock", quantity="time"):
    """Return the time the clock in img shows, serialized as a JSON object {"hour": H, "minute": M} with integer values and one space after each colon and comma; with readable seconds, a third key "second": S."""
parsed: {"hour": 8, "minute": 13}
